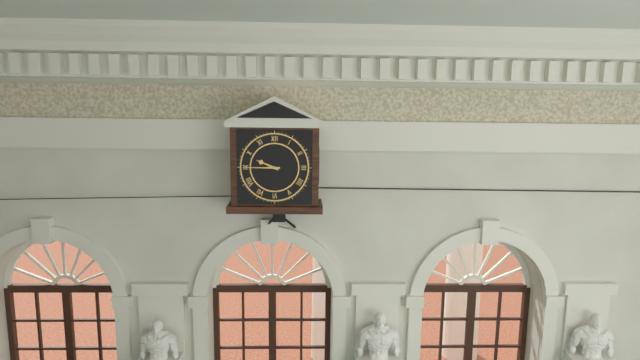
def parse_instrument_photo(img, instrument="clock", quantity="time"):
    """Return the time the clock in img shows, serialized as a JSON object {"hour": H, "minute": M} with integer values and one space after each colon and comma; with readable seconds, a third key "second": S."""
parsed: {"hour": 9, "minute": 45}
